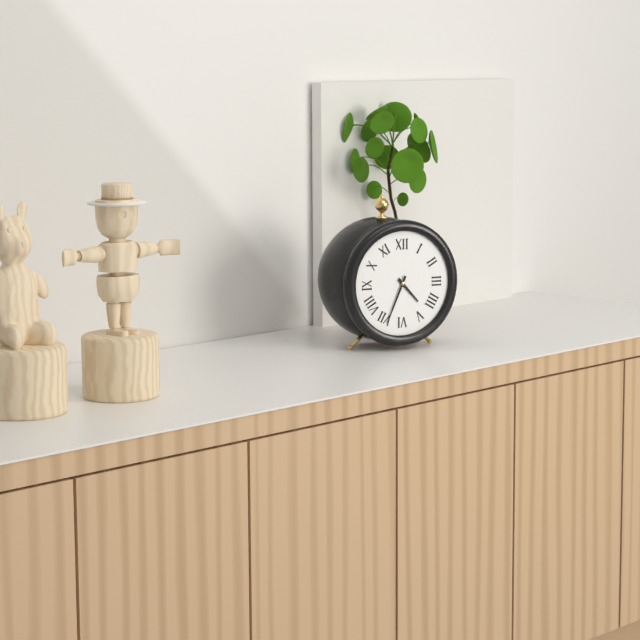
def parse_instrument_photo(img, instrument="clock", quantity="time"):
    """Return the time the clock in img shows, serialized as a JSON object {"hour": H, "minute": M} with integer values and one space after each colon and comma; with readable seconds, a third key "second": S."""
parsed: {"hour": 4, "minute": 34}
